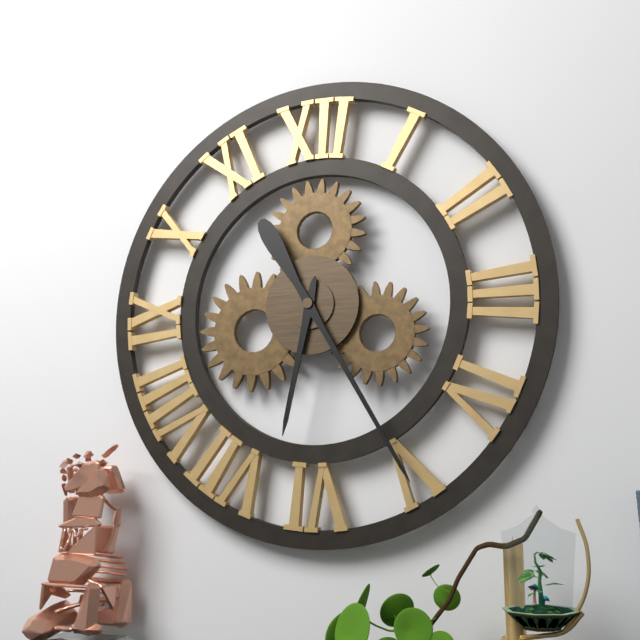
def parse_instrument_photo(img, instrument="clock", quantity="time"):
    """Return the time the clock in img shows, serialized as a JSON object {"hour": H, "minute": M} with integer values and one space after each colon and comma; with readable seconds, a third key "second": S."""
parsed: {"hour": 6, "minute": 25}
